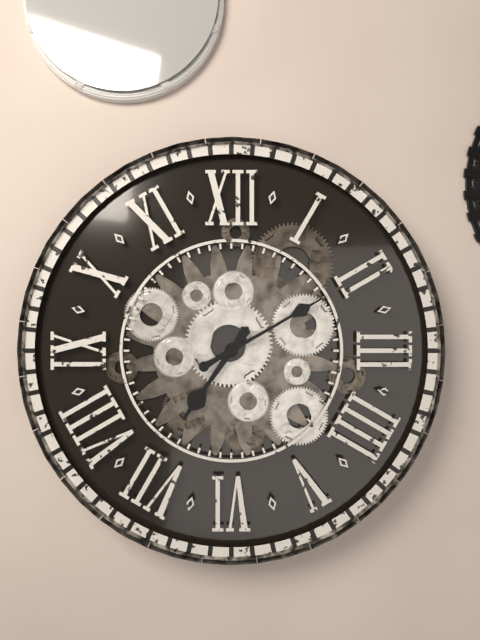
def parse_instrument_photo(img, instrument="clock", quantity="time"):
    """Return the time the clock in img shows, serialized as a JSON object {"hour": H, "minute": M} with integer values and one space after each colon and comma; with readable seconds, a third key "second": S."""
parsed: {"hour": 7, "minute": 10}
